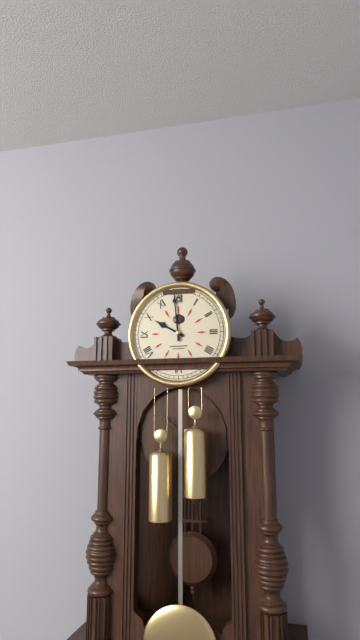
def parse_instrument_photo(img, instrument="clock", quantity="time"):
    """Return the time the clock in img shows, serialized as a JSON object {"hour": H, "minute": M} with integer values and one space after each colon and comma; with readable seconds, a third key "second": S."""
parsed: {"hour": 9, "minute": 59}
